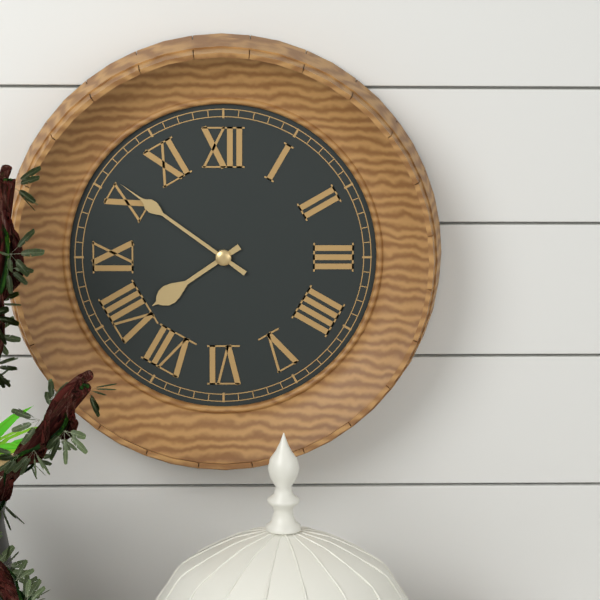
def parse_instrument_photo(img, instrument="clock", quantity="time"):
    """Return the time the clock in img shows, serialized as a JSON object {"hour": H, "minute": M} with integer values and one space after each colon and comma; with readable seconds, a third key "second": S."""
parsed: {"hour": 7, "minute": 51}
